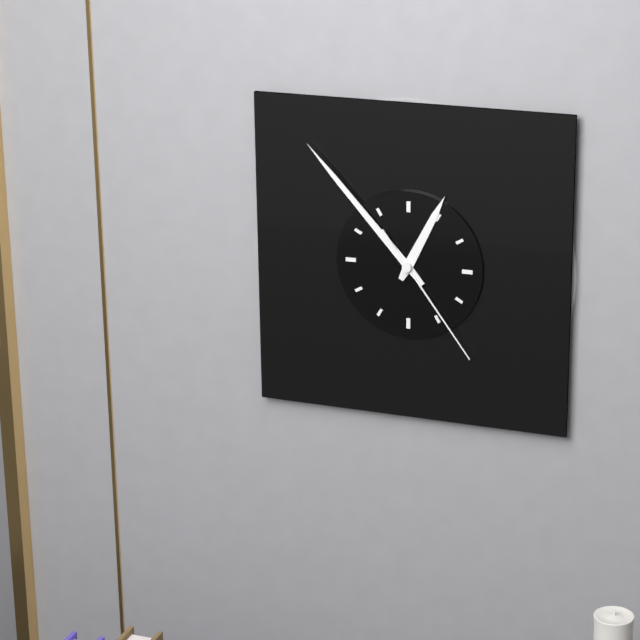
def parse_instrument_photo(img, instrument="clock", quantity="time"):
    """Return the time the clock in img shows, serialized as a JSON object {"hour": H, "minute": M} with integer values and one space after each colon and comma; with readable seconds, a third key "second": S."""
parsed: {"hour": 12, "minute": 53, "second": 24}
